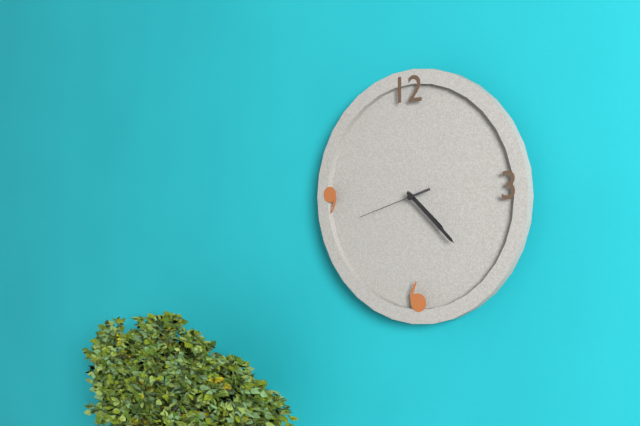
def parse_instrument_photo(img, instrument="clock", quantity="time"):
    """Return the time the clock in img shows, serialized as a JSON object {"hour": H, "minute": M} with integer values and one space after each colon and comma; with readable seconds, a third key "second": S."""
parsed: {"hour": 4, "minute": 22, "second": 42}
